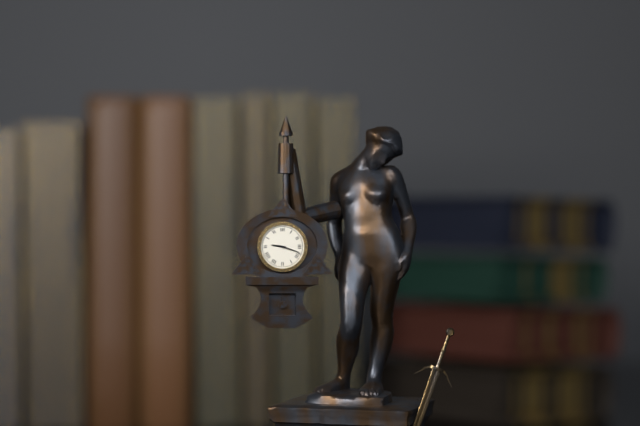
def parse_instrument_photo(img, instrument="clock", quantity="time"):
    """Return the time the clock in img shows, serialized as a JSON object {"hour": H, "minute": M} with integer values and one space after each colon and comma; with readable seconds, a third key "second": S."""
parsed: {"hour": 9, "minute": 18}
